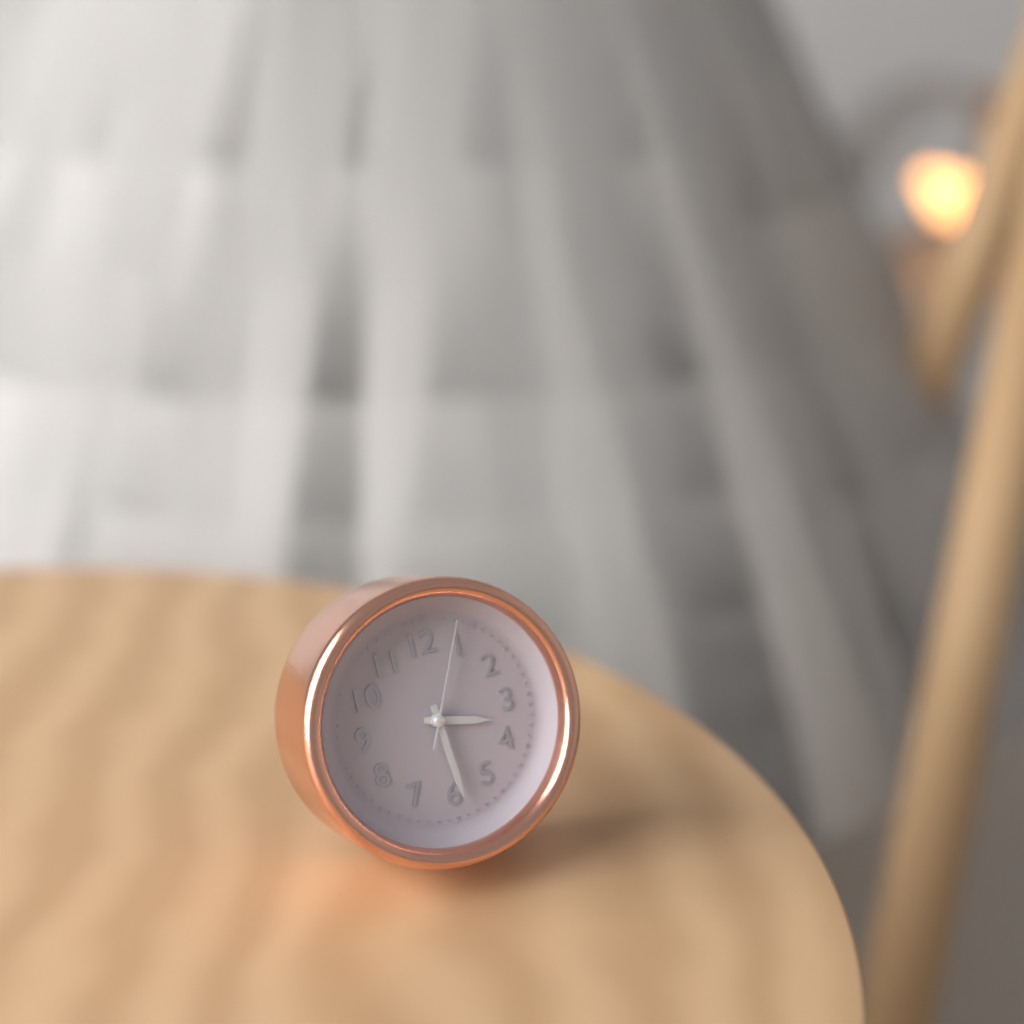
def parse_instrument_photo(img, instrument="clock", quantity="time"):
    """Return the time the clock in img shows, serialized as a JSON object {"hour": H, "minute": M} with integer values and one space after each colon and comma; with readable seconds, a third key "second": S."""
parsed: {"hour": 3, "minute": 29, "second": 4}
